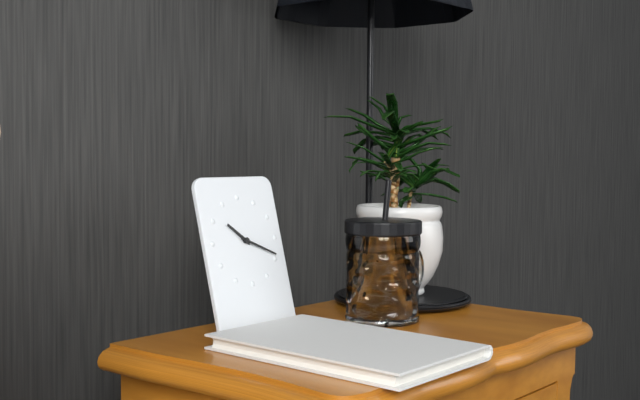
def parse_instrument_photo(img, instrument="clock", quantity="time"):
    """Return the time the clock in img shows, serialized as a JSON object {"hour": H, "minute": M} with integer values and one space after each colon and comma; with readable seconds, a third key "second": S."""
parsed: {"hour": 10, "minute": 19}
